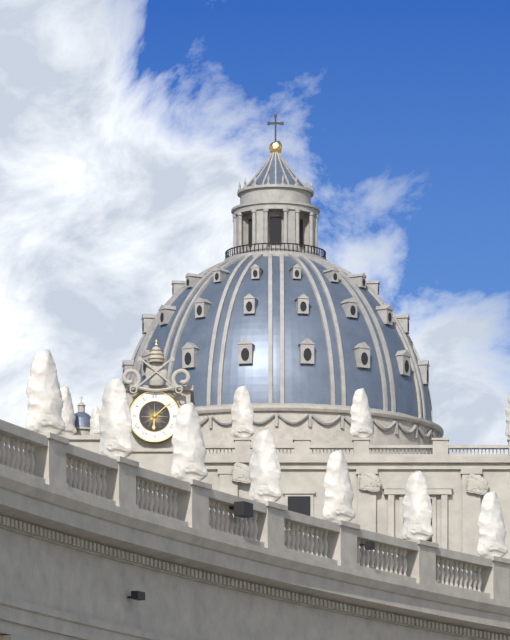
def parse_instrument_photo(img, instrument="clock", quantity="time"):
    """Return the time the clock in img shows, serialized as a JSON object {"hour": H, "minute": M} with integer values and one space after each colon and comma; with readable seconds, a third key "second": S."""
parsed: {"hour": 6, "minute": 8}
